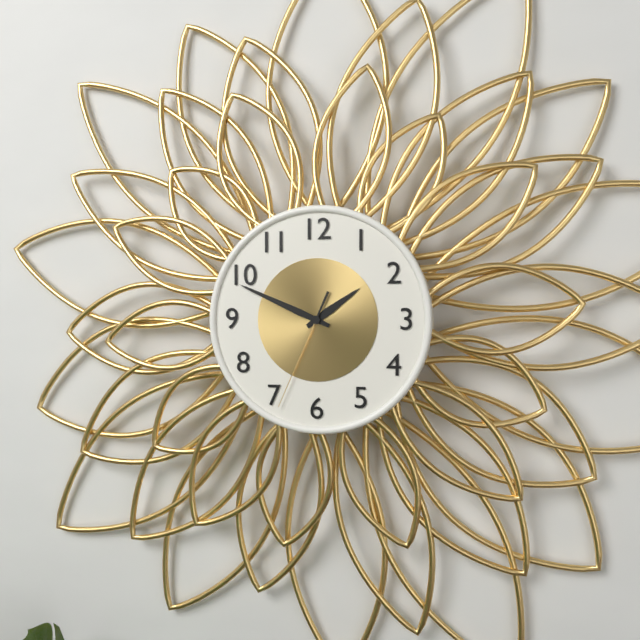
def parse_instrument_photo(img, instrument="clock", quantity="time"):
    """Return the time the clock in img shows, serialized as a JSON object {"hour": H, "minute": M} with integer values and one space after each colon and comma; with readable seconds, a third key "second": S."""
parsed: {"hour": 1, "minute": 49, "second": 34}
